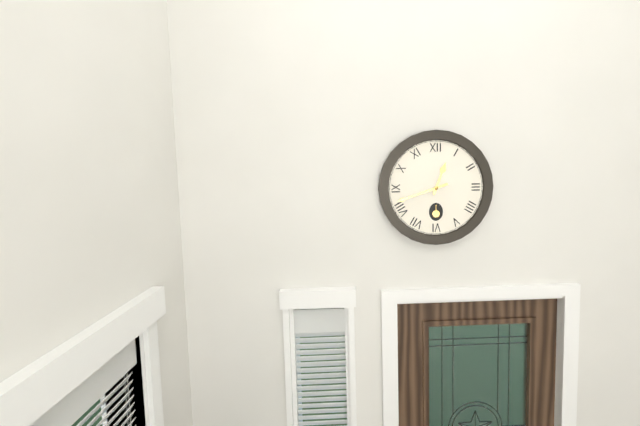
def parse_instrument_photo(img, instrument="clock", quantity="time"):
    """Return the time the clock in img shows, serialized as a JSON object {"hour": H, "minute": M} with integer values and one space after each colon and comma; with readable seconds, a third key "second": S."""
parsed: {"hour": 12, "minute": 42}
